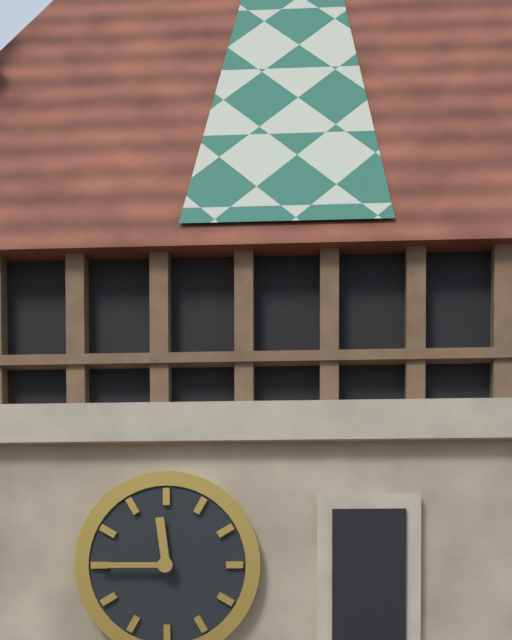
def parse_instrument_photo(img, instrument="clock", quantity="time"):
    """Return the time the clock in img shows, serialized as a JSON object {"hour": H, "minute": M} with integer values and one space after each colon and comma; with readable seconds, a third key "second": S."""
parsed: {"hour": 11, "minute": 45}
